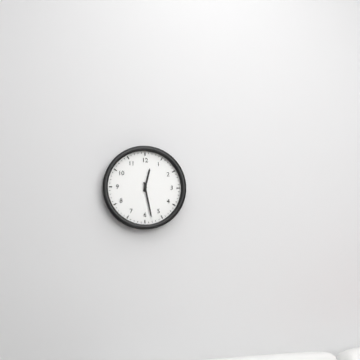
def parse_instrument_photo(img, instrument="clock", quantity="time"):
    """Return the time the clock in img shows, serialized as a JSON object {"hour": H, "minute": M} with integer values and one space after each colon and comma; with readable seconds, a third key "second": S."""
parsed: {"hour": 12, "minute": 28}
